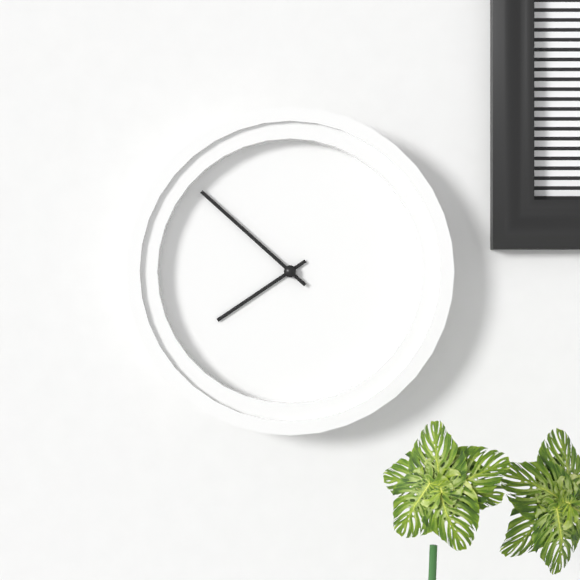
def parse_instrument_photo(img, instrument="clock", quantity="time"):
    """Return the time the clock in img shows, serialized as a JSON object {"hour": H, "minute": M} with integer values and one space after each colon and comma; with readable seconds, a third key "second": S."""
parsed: {"hour": 7, "minute": 52}
